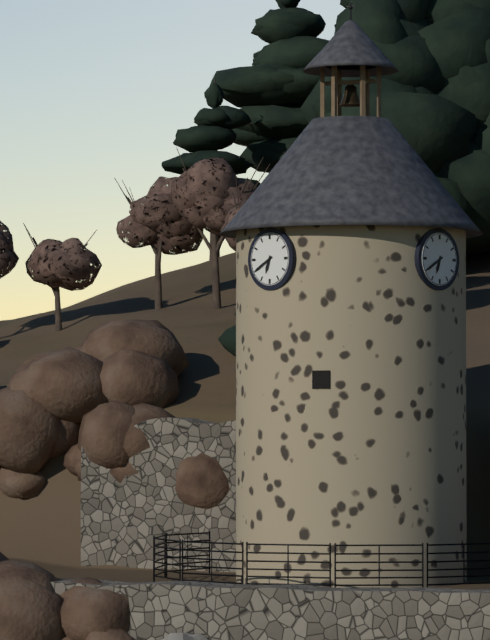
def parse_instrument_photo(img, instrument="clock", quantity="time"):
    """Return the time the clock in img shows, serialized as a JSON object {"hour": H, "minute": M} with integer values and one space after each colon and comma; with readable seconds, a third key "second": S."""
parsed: {"hour": 6, "minute": 40}
